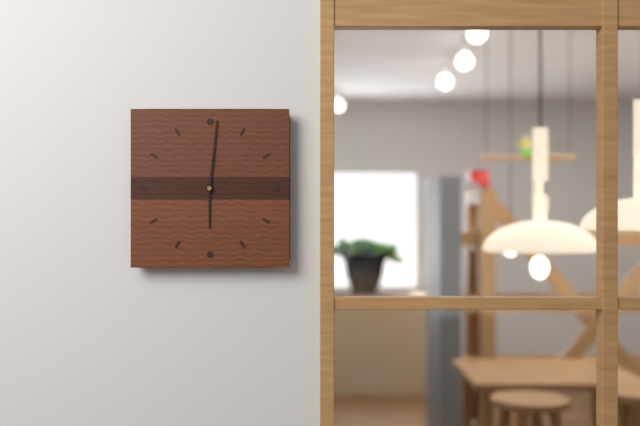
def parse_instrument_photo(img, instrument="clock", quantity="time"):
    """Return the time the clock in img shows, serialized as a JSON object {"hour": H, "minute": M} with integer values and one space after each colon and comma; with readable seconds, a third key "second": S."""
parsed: {"hour": 6, "minute": 1}
